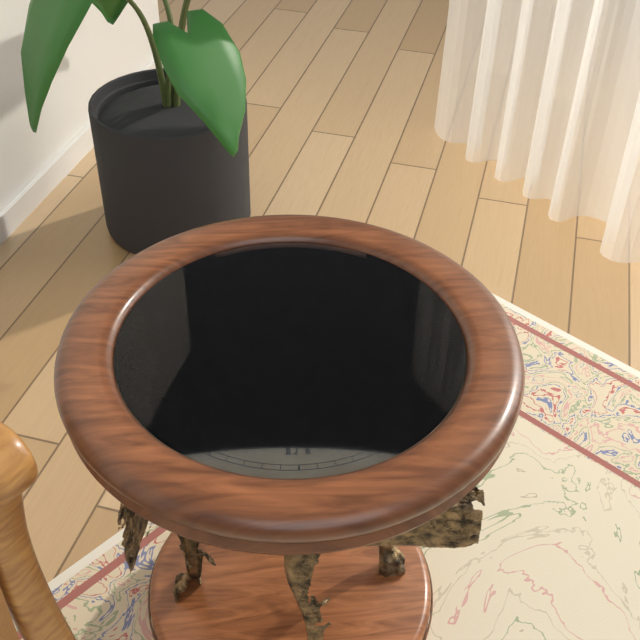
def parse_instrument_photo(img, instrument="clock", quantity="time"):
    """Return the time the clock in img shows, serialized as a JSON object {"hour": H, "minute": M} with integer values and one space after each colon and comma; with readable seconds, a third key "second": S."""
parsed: {"hour": 9, "minute": 42}
